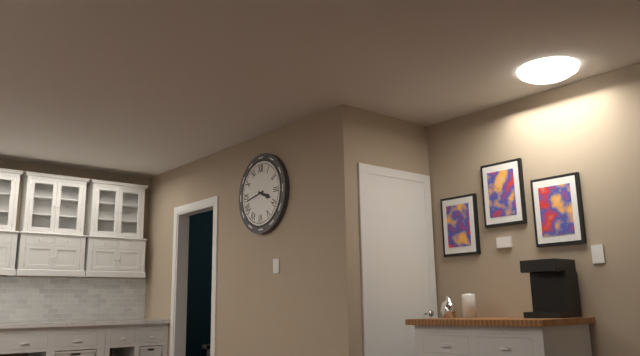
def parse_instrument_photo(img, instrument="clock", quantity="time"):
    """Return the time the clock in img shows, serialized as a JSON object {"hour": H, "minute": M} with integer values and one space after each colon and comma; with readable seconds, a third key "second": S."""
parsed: {"hour": 3, "minute": 43}
